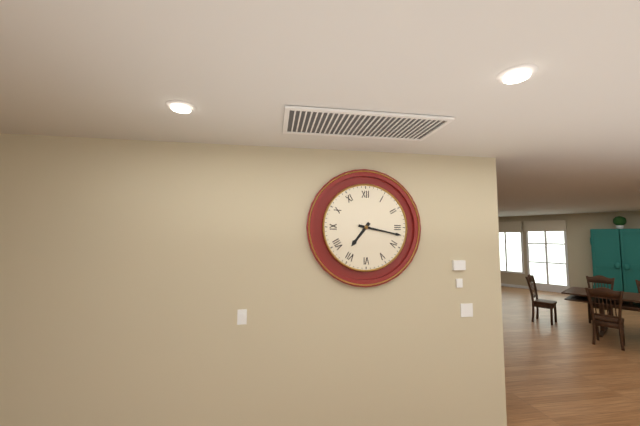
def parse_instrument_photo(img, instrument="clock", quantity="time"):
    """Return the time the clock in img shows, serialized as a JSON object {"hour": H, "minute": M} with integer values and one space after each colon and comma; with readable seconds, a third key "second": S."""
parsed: {"hour": 7, "minute": 17}
